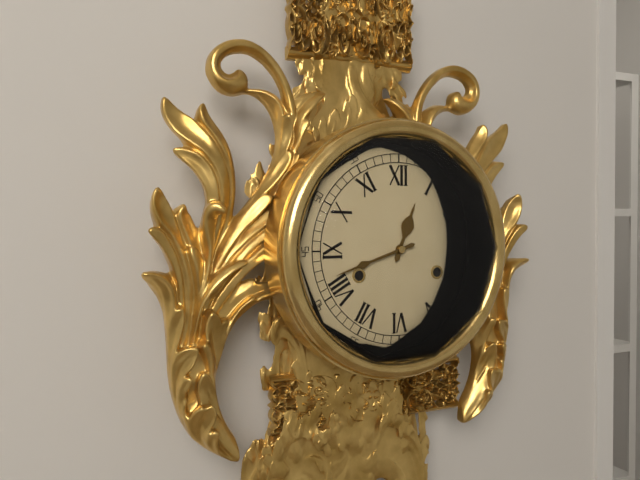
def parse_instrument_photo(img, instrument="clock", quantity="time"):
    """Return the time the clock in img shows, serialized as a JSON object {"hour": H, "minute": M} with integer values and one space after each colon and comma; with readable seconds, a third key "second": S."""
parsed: {"hour": 12, "minute": 42}
